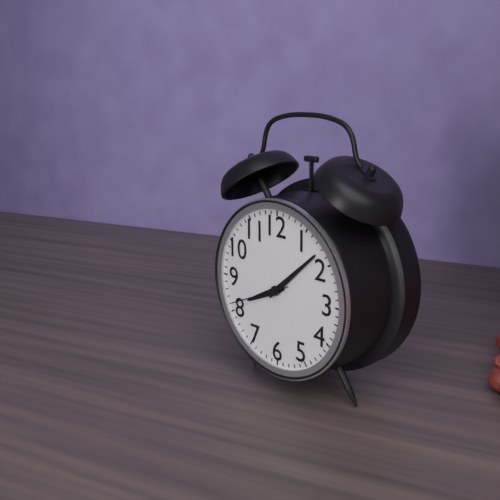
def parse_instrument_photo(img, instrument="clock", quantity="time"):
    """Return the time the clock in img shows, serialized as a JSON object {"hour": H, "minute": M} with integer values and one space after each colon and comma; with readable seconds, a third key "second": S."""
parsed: {"hour": 8, "minute": 8, "second": 41}
